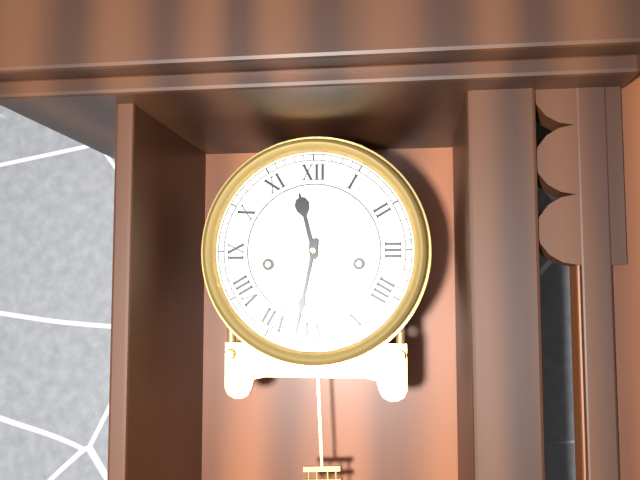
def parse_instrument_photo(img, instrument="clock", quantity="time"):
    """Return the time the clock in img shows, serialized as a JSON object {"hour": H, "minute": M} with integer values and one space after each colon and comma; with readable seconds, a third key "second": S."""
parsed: {"hour": 11, "minute": 32}
